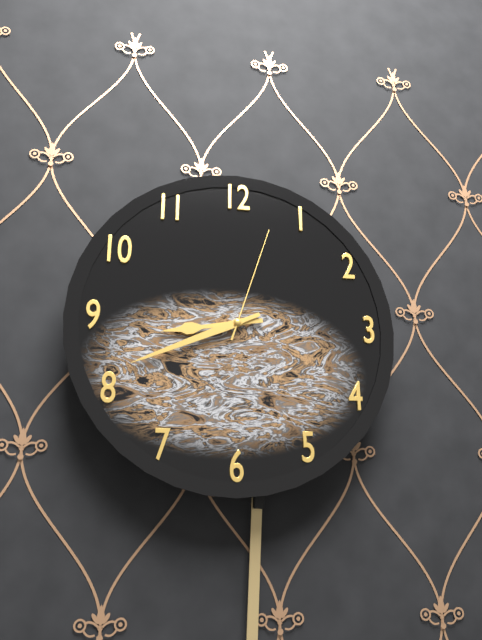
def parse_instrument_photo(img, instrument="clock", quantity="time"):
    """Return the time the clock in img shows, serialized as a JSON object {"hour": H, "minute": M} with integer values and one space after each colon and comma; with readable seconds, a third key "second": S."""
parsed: {"hour": 8, "minute": 41, "second": 3}
